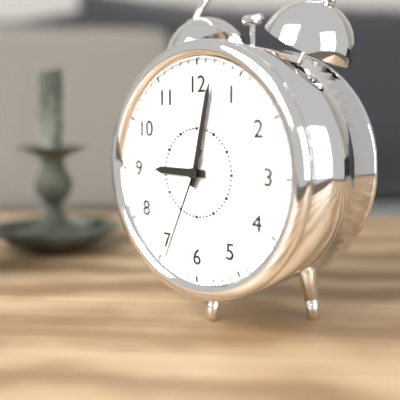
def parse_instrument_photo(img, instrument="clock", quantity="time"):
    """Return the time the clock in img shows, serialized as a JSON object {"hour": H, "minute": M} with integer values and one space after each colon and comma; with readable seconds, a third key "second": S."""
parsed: {"hour": 9, "minute": 2, "second": 34}
